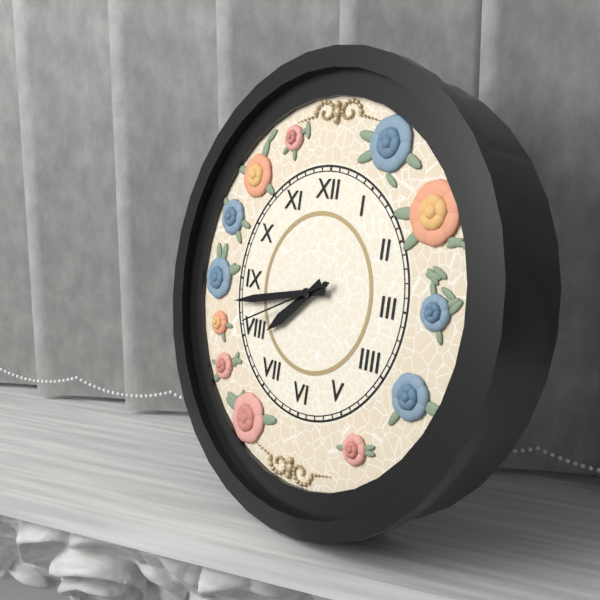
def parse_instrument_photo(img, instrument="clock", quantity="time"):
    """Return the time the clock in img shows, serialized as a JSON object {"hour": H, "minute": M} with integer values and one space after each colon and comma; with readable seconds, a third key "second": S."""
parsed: {"hour": 7, "minute": 43, "second": 41}
